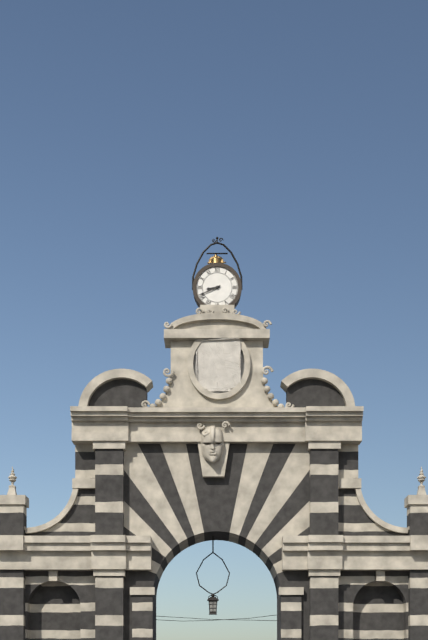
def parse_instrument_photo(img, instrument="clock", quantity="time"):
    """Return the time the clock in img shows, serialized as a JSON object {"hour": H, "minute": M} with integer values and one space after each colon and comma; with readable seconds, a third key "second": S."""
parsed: {"hour": 8, "minute": 41}
